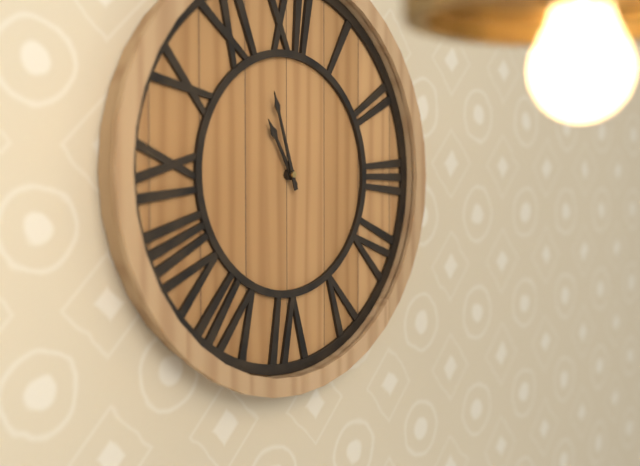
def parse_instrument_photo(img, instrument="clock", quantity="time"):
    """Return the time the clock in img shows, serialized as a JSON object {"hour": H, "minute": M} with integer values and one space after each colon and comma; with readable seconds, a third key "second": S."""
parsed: {"hour": 10, "minute": 57}
